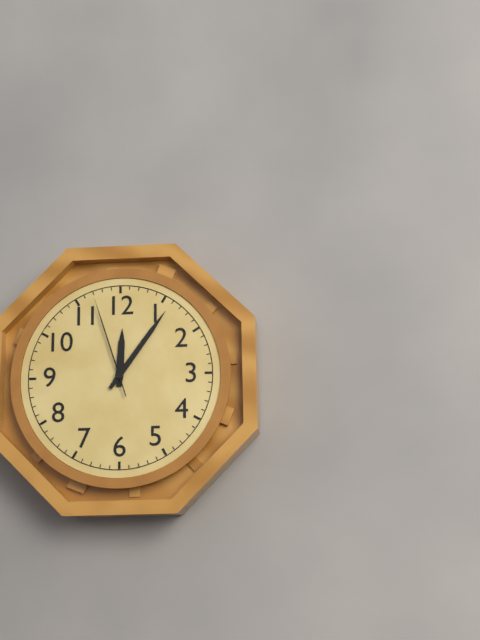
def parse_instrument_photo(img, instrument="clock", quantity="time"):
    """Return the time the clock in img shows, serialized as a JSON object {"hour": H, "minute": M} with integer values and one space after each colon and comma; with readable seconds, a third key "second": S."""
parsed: {"hour": 12, "minute": 6, "second": 57}
